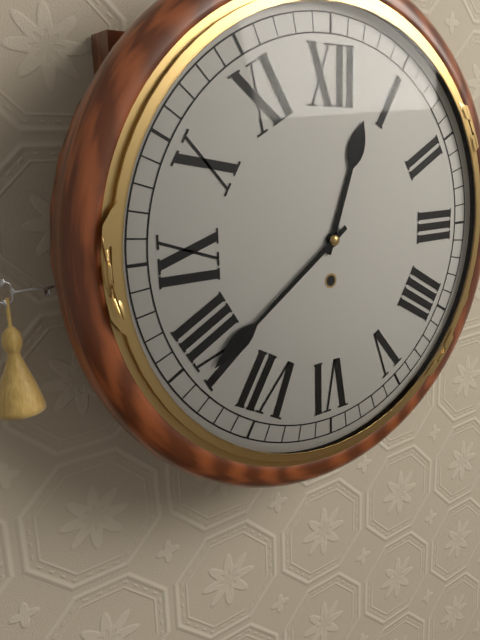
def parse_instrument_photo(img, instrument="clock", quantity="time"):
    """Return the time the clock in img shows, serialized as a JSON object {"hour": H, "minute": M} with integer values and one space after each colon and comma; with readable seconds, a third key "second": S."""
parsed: {"hour": 12, "minute": 39}
